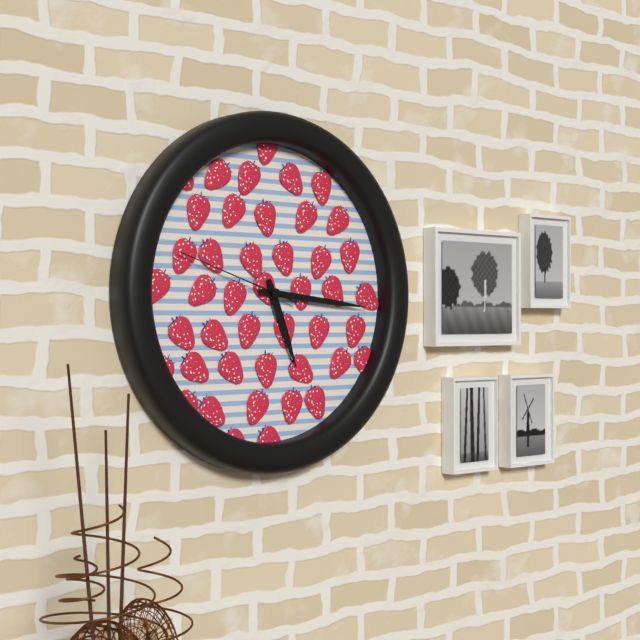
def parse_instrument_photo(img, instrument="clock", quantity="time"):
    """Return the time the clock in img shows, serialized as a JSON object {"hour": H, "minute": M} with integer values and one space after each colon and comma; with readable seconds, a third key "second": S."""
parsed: {"hour": 5, "minute": 16, "second": 48}
